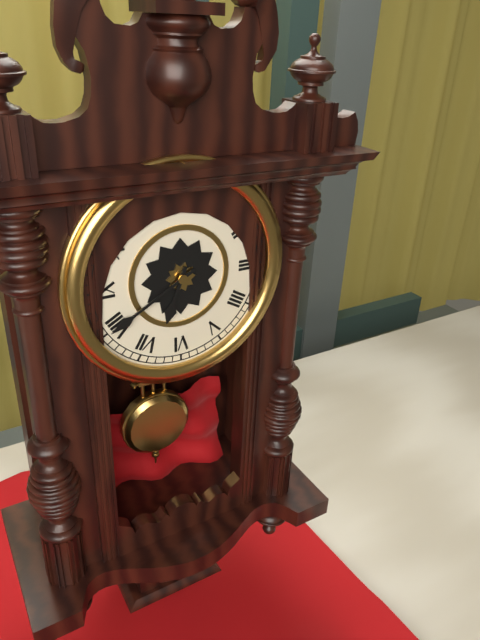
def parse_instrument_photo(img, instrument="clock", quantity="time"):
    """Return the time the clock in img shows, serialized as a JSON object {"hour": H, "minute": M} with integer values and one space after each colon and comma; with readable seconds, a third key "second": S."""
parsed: {"hour": 6, "minute": 40}
